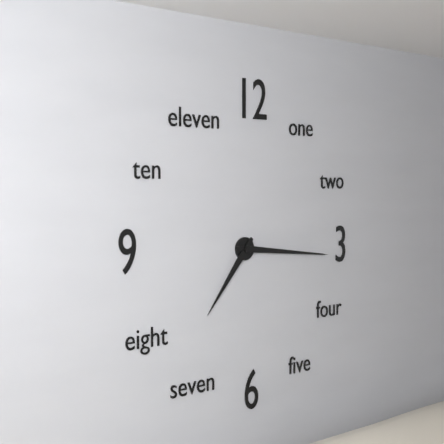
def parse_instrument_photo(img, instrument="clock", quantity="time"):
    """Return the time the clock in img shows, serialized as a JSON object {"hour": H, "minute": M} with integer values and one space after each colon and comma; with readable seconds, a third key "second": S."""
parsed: {"hour": 7, "minute": 16}
